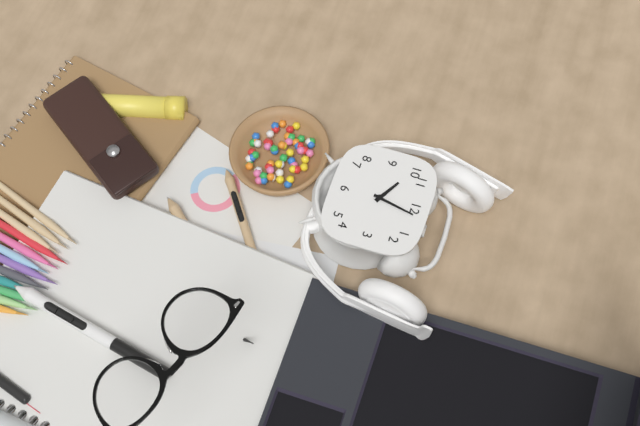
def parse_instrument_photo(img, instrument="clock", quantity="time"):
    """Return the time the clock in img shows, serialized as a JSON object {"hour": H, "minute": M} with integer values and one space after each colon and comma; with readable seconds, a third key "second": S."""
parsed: {"hour": 10, "minute": 2}
